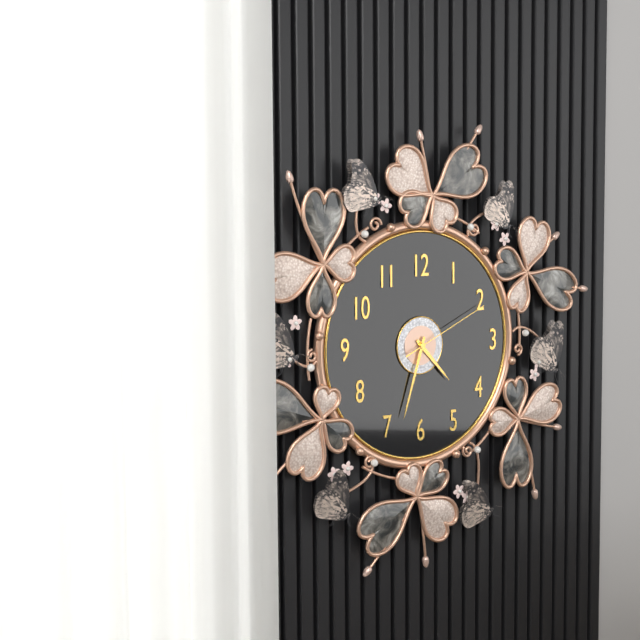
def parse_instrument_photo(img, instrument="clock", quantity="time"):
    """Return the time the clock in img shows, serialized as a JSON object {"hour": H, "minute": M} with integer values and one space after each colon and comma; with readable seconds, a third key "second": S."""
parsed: {"hour": 4, "minute": 33, "second": 11}
